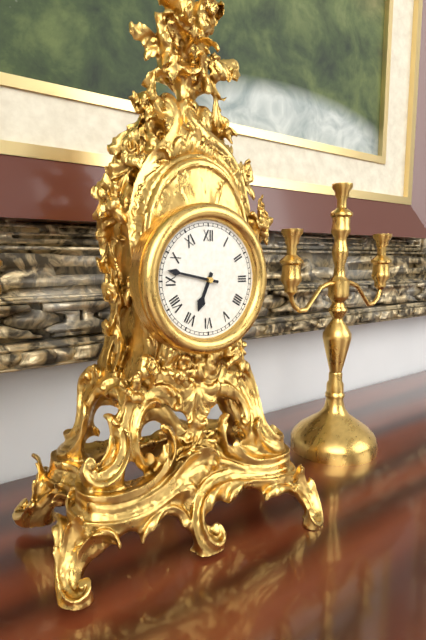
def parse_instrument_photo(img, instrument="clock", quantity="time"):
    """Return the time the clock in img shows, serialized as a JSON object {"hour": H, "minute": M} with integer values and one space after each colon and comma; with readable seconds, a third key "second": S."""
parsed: {"hour": 6, "minute": 47}
